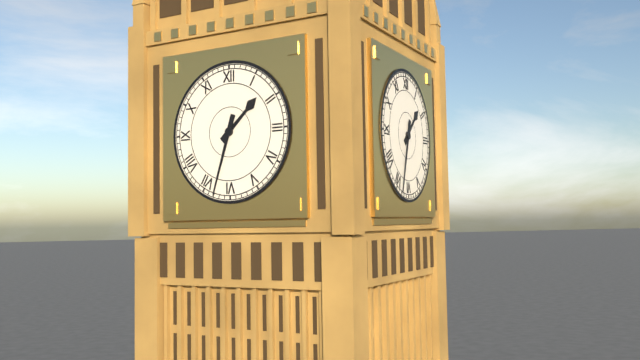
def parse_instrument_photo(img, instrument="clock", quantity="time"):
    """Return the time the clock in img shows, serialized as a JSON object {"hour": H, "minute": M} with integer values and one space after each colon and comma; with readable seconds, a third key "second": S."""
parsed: {"hour": 1, "minute": 33}
